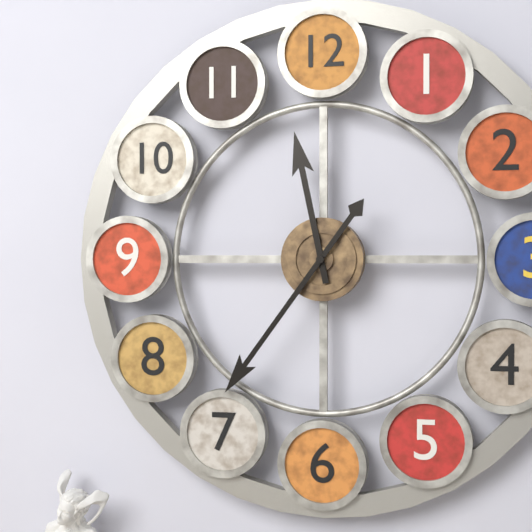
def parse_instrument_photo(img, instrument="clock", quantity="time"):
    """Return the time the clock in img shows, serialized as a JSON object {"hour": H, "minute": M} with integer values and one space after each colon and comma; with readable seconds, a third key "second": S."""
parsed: {"hour": 11, "minute": 36}
